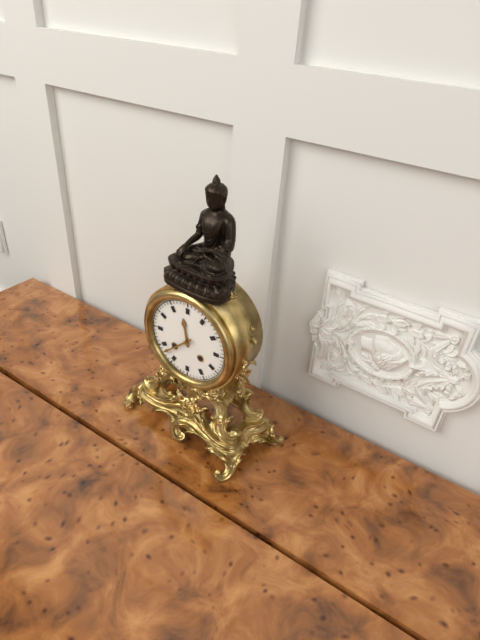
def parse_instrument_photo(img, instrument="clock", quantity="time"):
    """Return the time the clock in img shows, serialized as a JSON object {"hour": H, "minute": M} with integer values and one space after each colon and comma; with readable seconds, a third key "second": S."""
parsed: {"hour": 11, "minute": 38}
